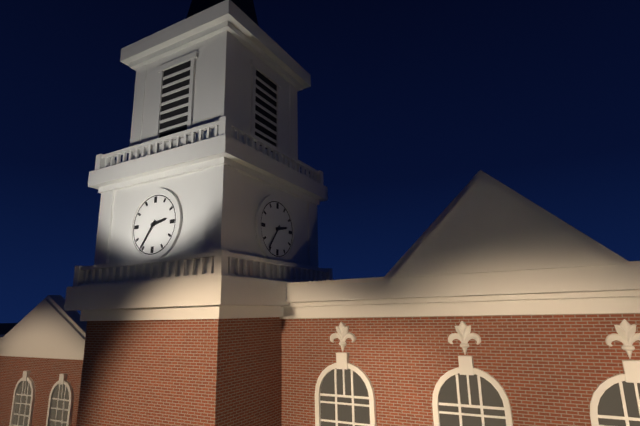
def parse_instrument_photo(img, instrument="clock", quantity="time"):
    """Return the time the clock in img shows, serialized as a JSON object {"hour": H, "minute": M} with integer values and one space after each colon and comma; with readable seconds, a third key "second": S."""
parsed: {"hour": 2, "minute": 36}
